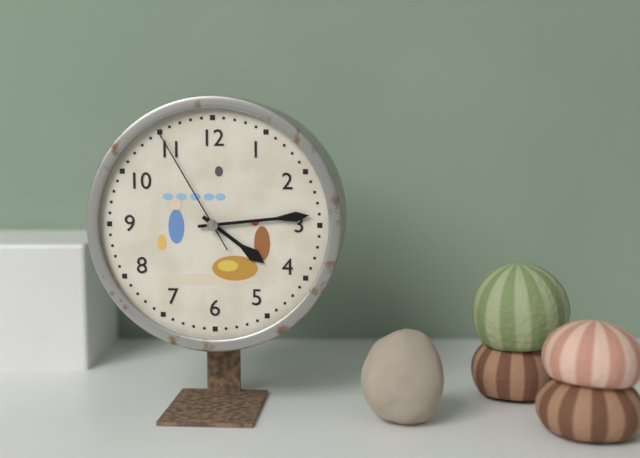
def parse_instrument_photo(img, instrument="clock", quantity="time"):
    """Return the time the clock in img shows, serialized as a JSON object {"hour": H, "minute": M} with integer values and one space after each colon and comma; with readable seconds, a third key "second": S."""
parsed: {"hour": 4, "minute": 14, "second": 55}
